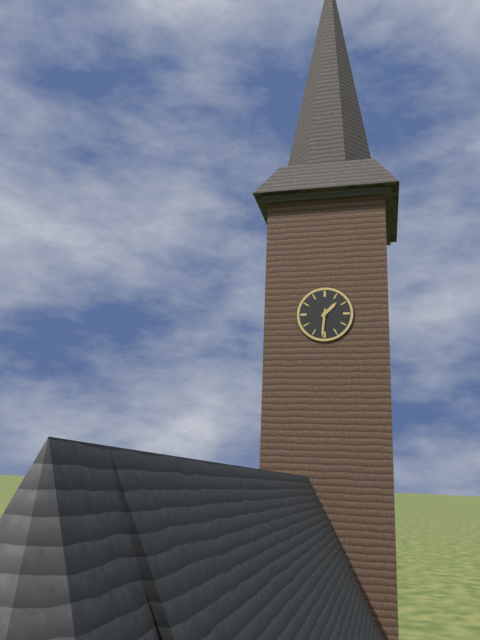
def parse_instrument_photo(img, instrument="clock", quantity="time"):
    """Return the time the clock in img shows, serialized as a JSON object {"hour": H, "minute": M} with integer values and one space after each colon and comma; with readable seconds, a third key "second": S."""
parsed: {"hour": 1, "minute": 31}
